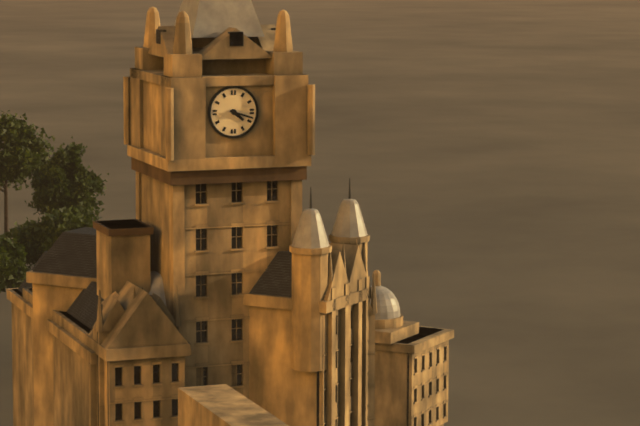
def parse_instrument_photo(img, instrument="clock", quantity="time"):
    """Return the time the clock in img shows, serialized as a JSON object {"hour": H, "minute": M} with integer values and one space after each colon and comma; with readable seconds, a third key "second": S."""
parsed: {"hour": 4, "minute": 18}
